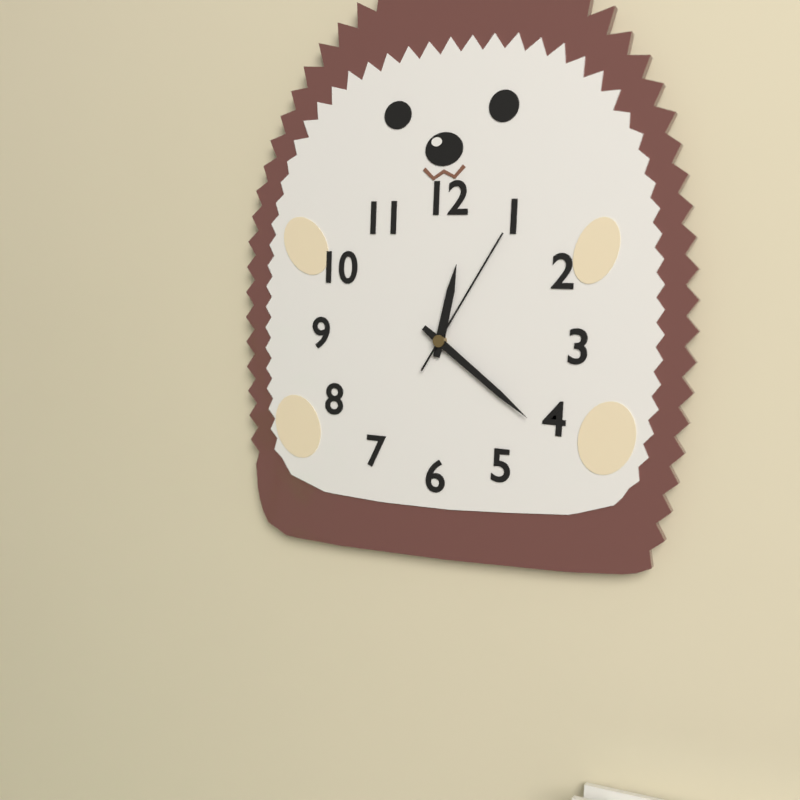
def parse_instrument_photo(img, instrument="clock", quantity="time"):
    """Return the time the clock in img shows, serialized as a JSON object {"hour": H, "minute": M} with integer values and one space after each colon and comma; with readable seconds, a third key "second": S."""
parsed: {"hour": 12, "minute": 21, "second": 5}
